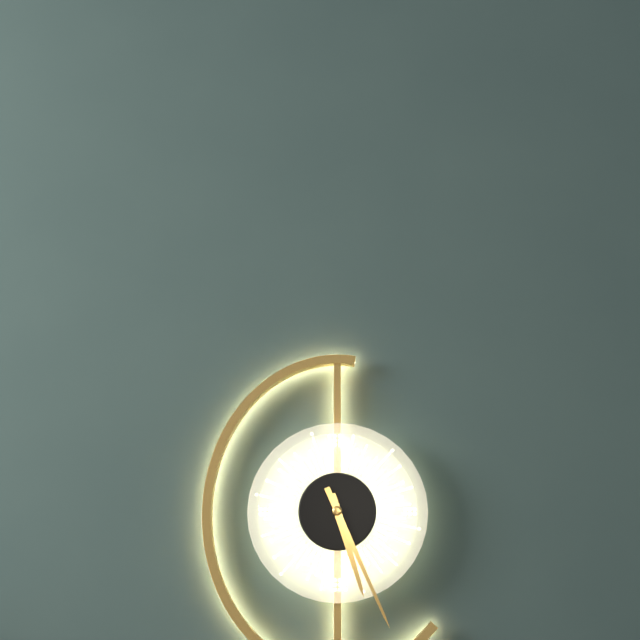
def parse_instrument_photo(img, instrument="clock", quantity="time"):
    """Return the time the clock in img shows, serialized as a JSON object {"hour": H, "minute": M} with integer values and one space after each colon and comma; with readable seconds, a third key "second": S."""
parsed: {"hour": 5, "minute": 26}
